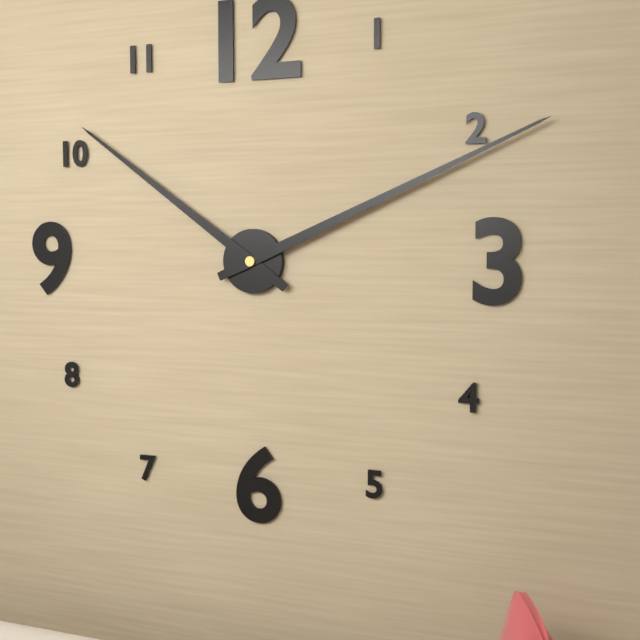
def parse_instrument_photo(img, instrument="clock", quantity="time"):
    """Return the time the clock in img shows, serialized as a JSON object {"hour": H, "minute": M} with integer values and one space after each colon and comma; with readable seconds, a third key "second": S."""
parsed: {"hour": 10, "minute": 11}
